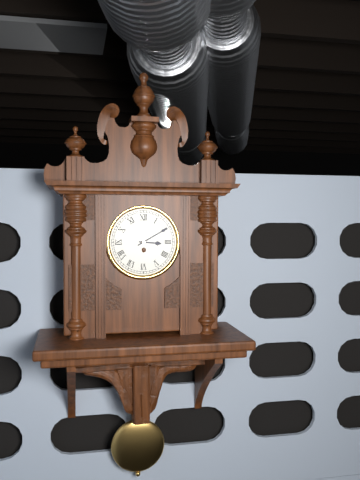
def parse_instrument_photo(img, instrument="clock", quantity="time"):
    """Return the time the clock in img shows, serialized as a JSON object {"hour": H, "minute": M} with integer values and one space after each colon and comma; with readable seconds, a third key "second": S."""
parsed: {"hour": 3, "minute": 10}
